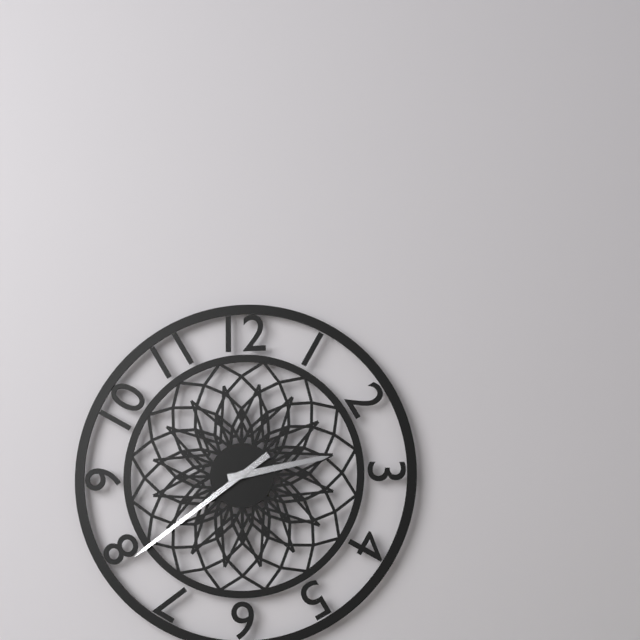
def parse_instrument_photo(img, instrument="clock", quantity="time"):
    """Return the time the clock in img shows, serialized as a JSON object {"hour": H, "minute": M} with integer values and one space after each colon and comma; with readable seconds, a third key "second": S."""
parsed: {"hour": 2, "minute": 39}
